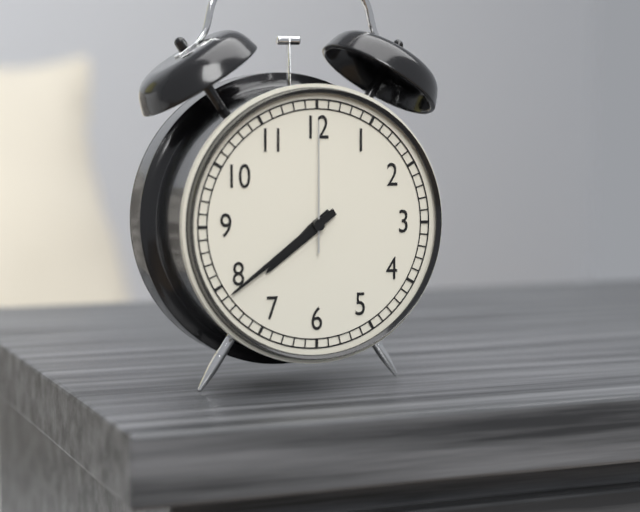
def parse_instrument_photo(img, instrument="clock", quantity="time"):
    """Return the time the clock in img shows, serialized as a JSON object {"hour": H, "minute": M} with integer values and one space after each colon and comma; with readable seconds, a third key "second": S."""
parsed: {"hour": 7, "minute": 39, "second": 0}
